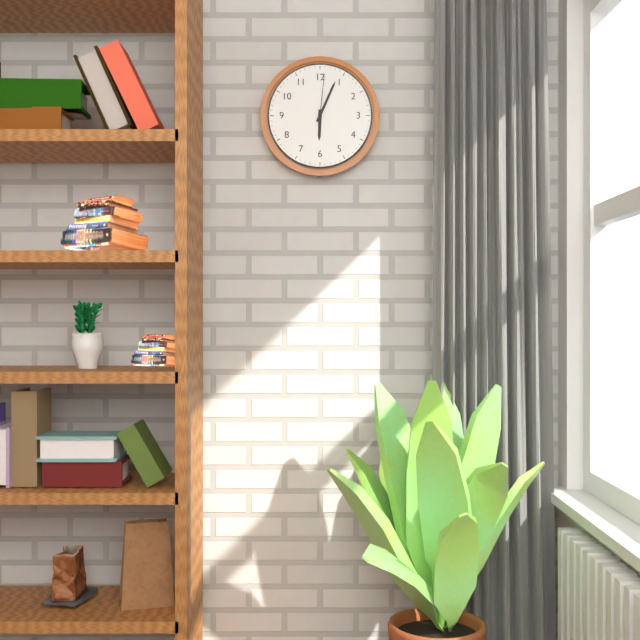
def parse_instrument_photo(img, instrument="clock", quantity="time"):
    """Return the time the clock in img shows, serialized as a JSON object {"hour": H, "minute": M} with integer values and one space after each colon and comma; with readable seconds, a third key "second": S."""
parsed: {"hour": 6, "minute": 4, "second": 1}
